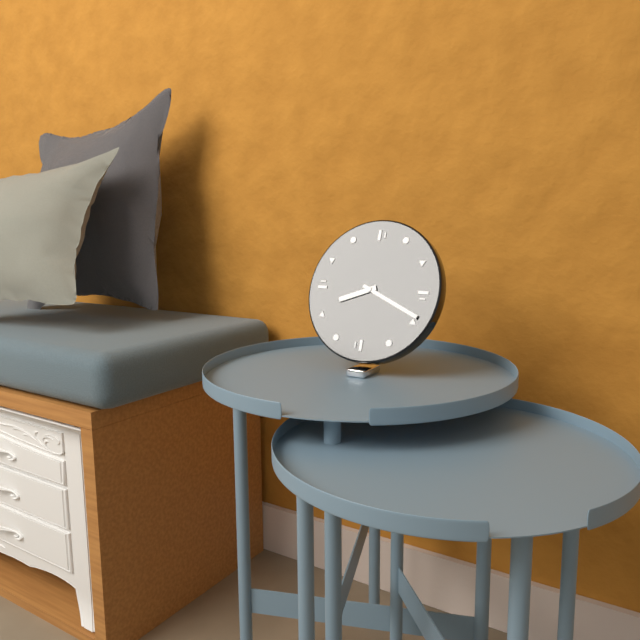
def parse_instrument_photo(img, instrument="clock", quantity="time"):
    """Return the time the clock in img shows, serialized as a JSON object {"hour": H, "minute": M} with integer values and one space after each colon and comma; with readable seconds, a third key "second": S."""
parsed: {"hour": 8, "minute": 19}
